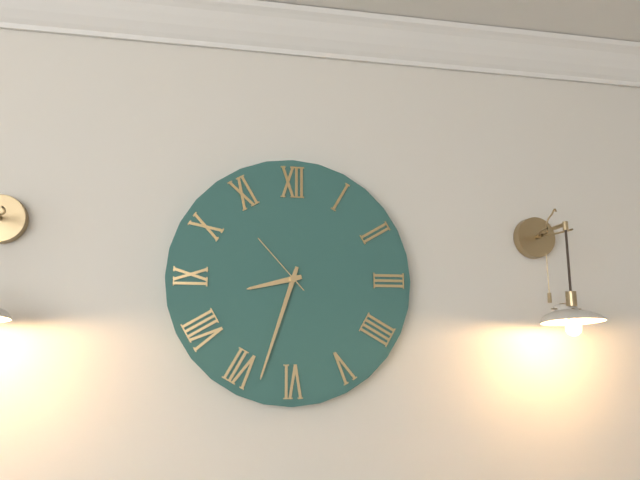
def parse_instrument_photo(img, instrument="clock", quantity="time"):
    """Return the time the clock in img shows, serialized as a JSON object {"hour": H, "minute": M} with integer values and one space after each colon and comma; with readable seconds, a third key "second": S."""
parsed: {"hour": 8, "minute": 33, "second": 53}
